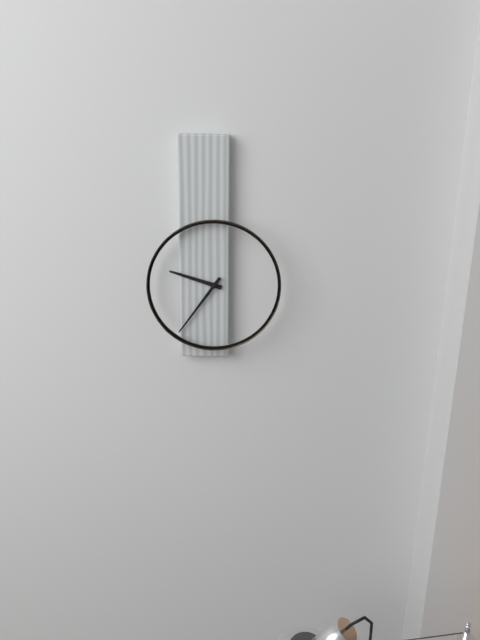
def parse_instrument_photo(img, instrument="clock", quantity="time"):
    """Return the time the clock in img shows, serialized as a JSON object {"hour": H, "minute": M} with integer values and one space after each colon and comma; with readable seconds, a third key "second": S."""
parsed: {"hour": 9, "minute": 36}
